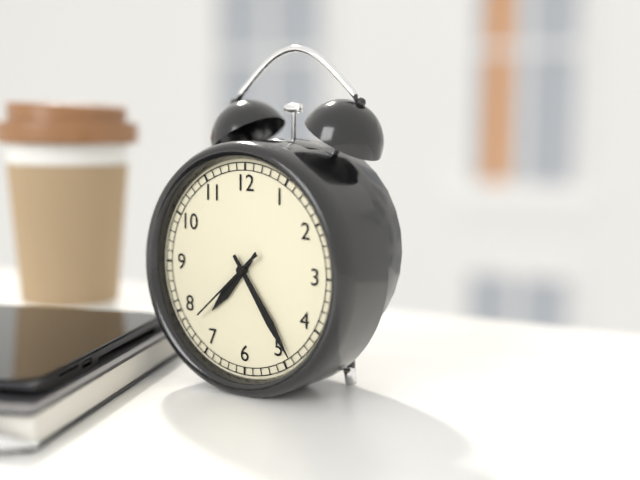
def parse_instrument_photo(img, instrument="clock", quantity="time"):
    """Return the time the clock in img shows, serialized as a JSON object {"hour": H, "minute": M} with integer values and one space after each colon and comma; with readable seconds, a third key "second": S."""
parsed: {"hour": 7, "minute": 24, "second": 38}
